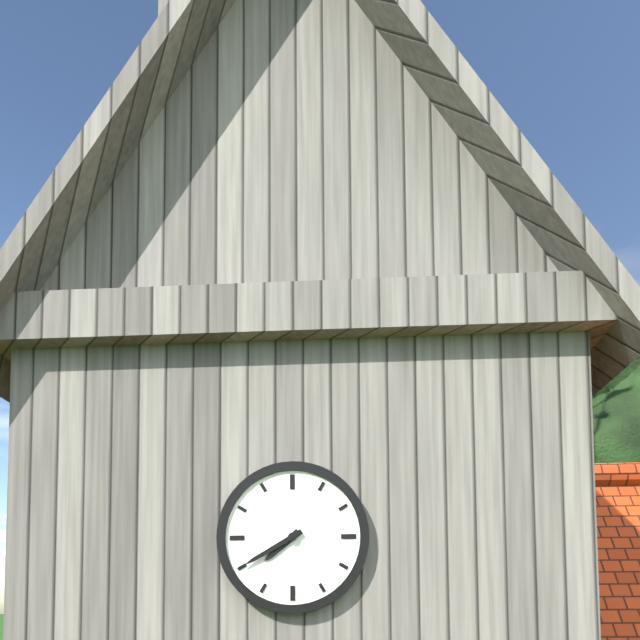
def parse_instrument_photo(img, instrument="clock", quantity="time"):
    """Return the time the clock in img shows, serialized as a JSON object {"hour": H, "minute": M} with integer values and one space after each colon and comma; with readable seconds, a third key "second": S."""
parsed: {"hour": 7, "minute": 40}
